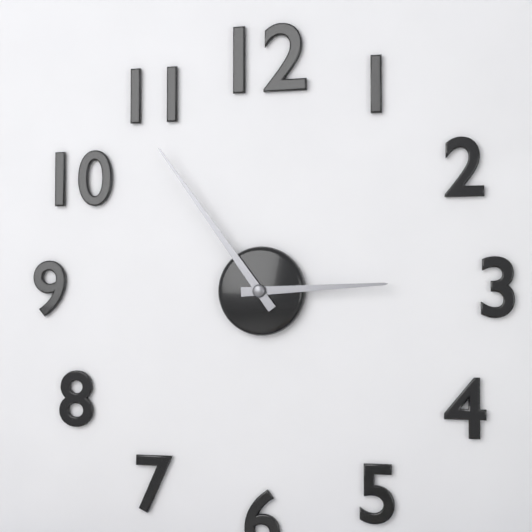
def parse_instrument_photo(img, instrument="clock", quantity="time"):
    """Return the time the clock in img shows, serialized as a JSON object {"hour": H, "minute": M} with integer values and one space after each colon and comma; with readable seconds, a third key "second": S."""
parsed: {"hour": 2, "minute": 54}
